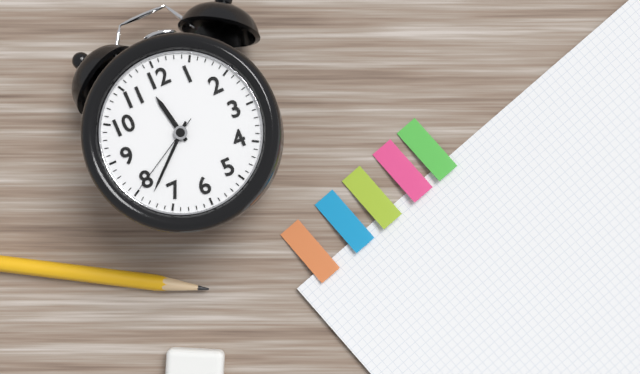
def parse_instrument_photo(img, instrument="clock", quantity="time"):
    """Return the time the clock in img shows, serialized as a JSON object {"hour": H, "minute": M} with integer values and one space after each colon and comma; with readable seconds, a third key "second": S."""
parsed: {"hour": 11, "minute": 38, "second": 40}
